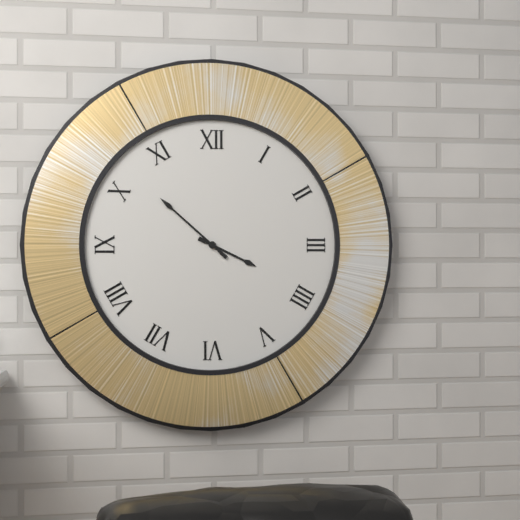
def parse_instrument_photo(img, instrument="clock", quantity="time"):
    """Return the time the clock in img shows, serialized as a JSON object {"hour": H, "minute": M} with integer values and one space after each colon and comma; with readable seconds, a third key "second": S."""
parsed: {"hour": 3, "minute": 52}
